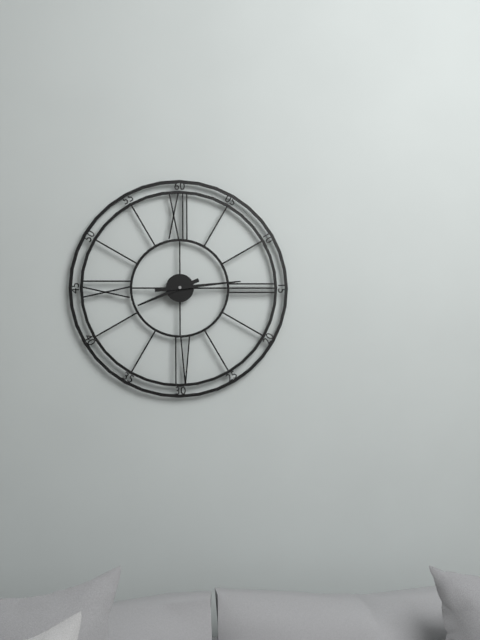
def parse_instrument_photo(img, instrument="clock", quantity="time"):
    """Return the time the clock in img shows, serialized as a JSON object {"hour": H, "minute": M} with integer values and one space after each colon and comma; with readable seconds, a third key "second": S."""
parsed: {"hour": 8, "minute": 14}
